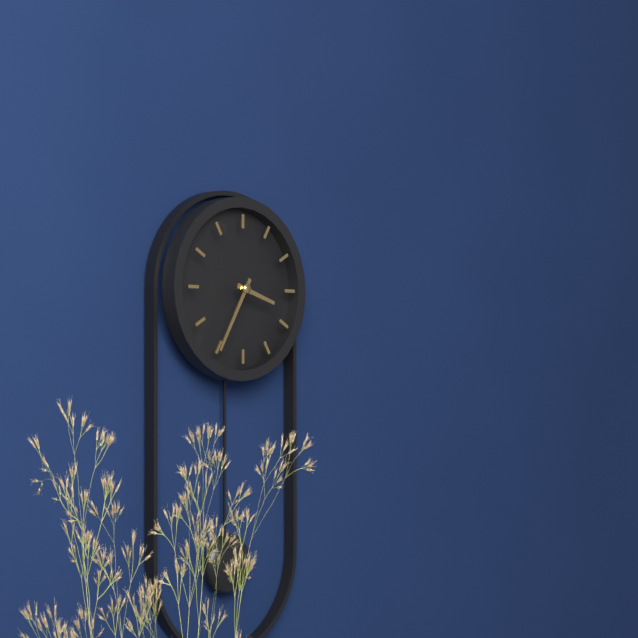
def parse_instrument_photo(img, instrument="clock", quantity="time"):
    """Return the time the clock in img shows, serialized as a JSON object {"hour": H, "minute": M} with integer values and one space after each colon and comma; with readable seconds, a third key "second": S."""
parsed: {"hour": 3, "minute": 35}
